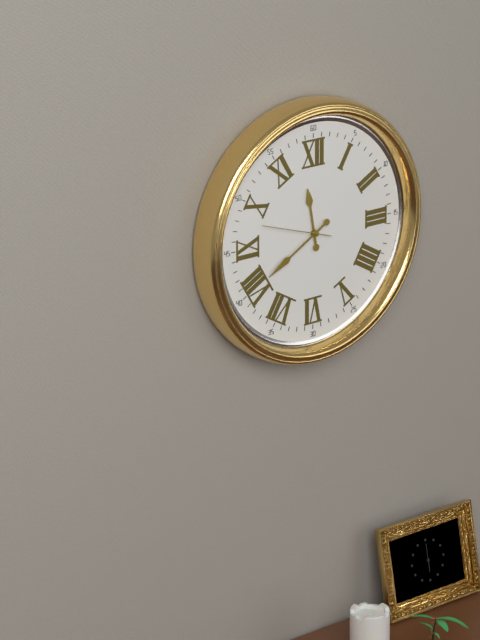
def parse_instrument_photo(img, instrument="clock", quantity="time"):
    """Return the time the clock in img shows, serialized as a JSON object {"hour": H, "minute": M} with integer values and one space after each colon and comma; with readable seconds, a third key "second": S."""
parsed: {"hour": 11, "minute": 40}
